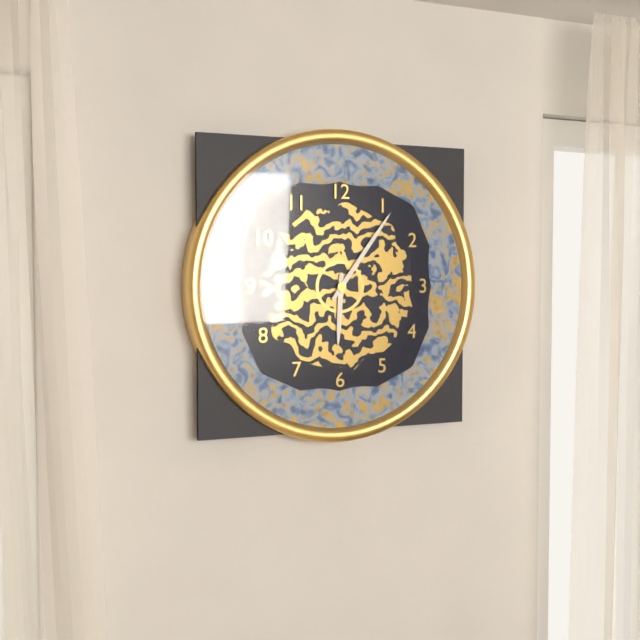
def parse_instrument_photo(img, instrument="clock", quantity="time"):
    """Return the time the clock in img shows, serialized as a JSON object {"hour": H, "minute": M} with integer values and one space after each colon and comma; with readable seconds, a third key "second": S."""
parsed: {"hour": 6, "minute": 6}
